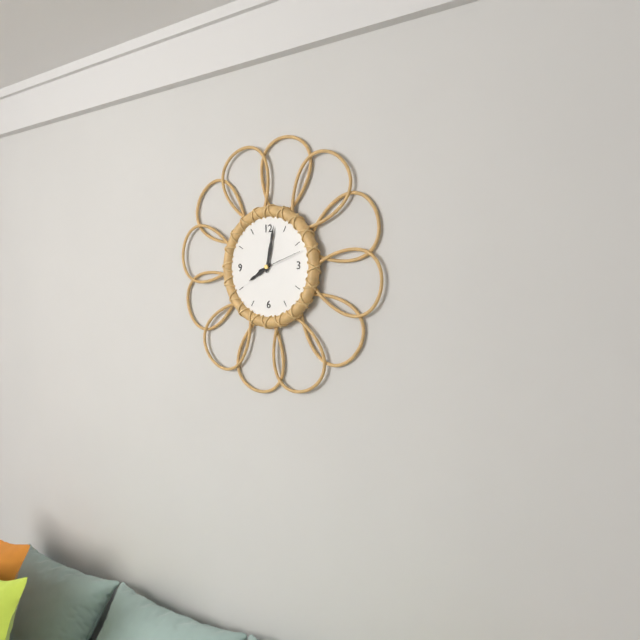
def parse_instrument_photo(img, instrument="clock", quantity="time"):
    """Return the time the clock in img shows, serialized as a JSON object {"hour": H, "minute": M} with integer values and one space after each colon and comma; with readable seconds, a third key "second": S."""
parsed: {"hour": 8, "minute": 2}
